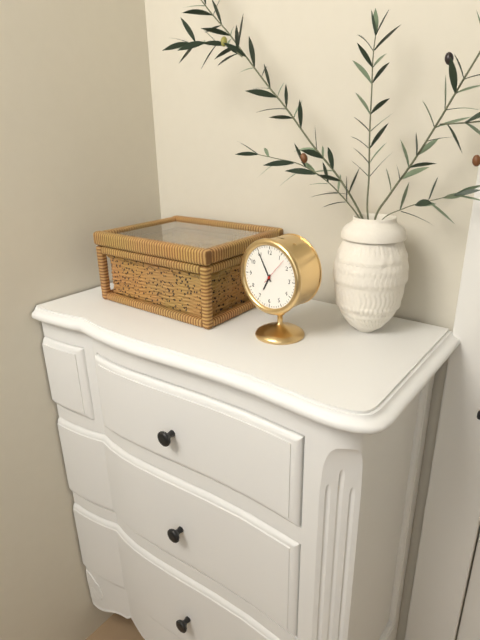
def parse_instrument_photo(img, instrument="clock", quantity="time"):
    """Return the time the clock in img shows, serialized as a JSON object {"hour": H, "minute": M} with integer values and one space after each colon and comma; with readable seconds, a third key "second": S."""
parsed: {"hour": 6, "minute": 55}
